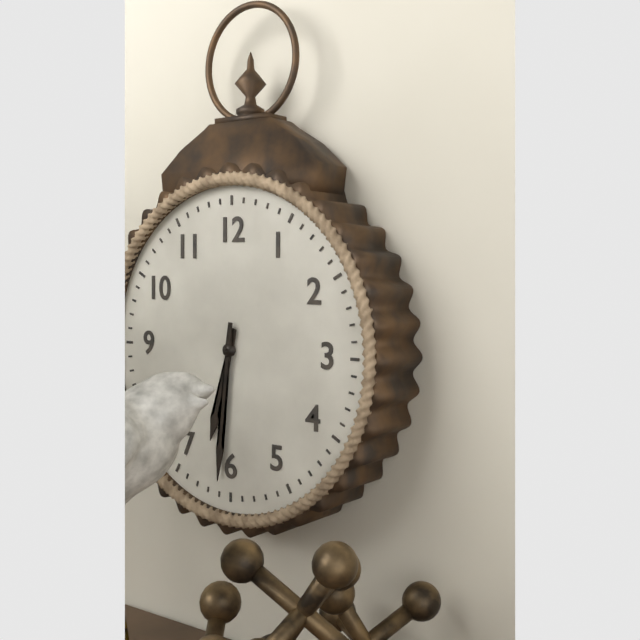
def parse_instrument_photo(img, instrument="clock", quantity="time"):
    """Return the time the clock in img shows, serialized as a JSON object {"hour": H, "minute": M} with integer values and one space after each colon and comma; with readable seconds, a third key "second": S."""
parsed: {"hour": 6, "minute": 31}
